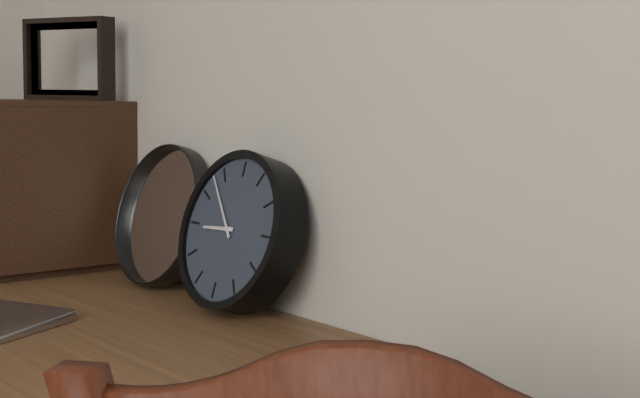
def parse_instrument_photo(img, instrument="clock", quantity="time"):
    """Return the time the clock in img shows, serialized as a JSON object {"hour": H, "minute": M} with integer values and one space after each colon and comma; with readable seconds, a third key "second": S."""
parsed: {"hour": 8, "minute": 53}
